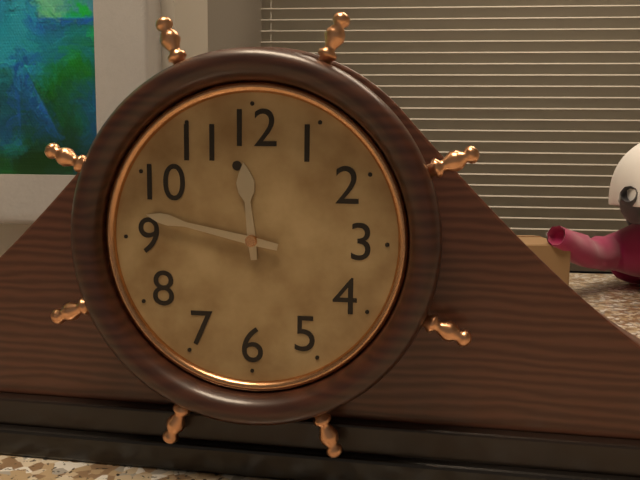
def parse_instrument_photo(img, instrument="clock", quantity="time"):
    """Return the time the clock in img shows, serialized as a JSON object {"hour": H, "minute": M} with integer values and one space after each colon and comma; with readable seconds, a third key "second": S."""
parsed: {"hour": 11, "minute": 47}
